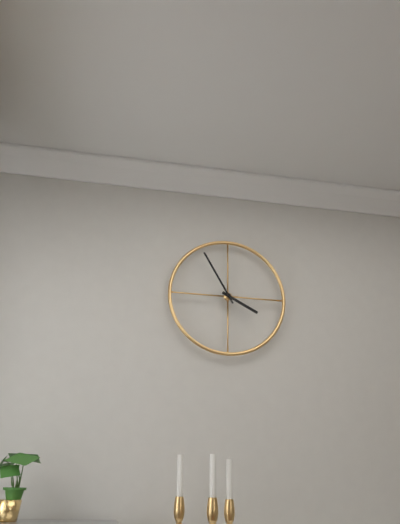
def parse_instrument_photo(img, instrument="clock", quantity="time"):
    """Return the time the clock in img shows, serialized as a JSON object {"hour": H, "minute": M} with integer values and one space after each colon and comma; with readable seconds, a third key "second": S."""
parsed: {"hour": 3, "minute": 55}
